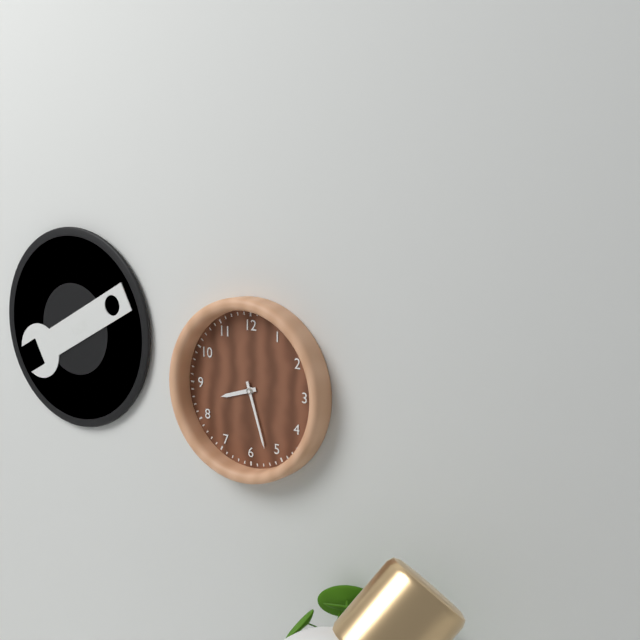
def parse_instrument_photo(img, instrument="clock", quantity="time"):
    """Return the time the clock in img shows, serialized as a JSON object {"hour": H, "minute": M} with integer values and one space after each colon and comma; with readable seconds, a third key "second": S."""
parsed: {"hour": 8, "minute": 27}
